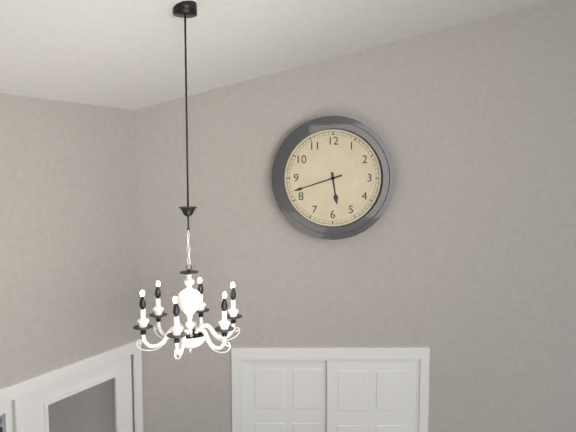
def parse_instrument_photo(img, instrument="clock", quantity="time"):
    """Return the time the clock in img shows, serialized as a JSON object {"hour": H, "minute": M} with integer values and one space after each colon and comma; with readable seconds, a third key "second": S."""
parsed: {"hour": 5, "minute": 42}
